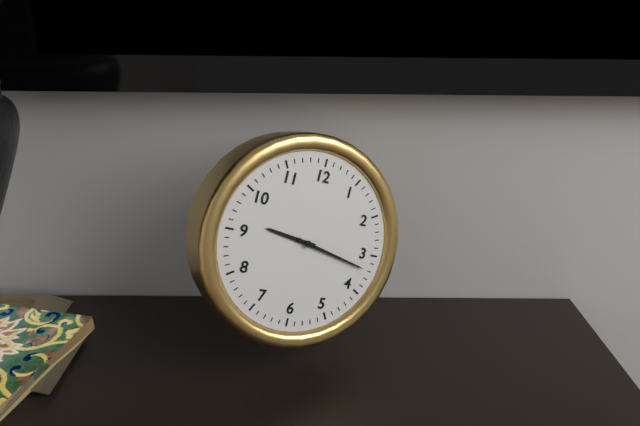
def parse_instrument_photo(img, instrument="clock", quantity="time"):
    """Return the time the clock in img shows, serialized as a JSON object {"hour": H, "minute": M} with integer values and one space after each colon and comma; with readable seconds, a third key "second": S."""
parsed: {"hour": 9, "minute": 17}
